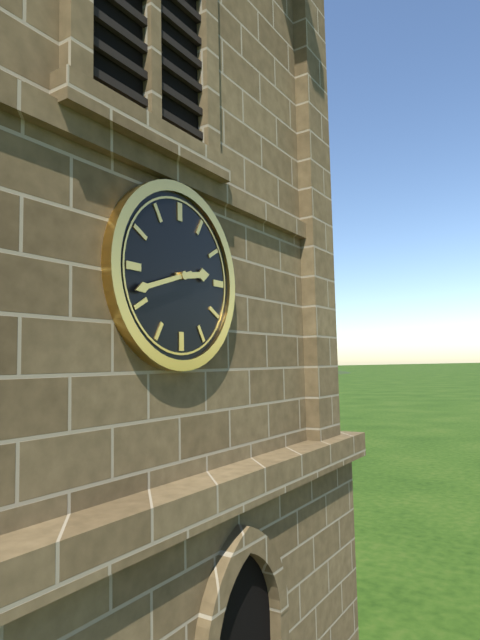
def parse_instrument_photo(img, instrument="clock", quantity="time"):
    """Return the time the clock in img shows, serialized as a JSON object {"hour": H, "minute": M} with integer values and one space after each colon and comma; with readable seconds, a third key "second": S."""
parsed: {"hour": 2, "minute": 42}
